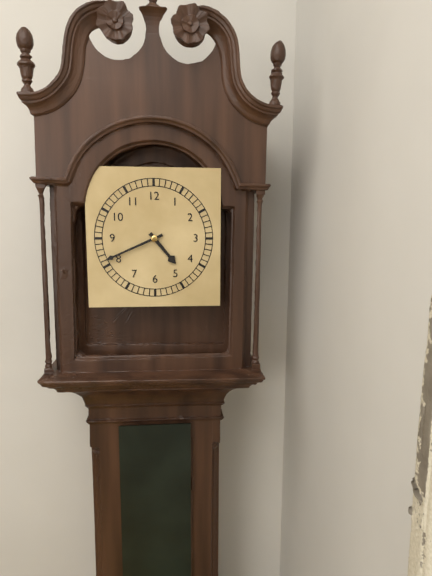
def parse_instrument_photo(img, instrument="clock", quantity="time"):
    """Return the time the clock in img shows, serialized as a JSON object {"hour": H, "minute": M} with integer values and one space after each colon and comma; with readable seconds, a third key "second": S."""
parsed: {"hour": 4, "minute": 41}
